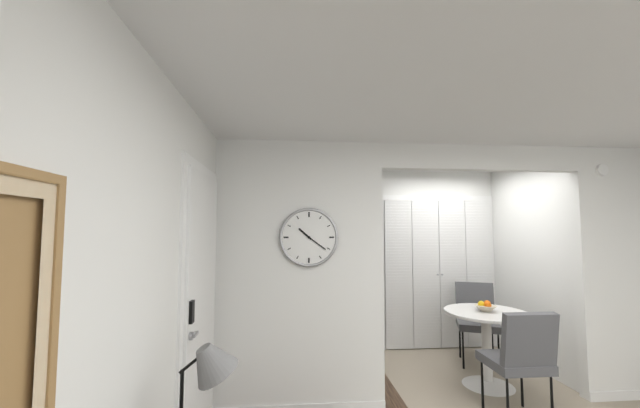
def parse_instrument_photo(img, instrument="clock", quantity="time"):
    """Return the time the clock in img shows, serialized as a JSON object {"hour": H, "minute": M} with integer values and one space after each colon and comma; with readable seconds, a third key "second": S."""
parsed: {"hour": 10, "minute": 21}
